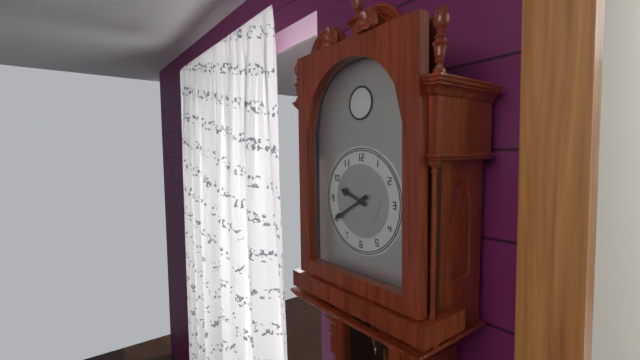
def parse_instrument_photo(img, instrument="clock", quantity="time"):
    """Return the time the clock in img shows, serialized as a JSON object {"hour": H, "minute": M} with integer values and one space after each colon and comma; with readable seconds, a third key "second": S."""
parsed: {"hour": 9, "minute": 40}
